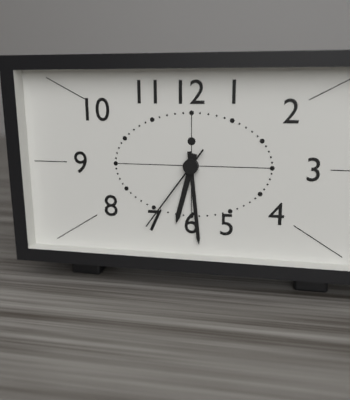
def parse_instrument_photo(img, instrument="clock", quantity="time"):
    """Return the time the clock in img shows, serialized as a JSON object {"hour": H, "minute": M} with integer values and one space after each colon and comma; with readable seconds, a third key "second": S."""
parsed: {"hour": 6, "minute": 29, "second": 36}
